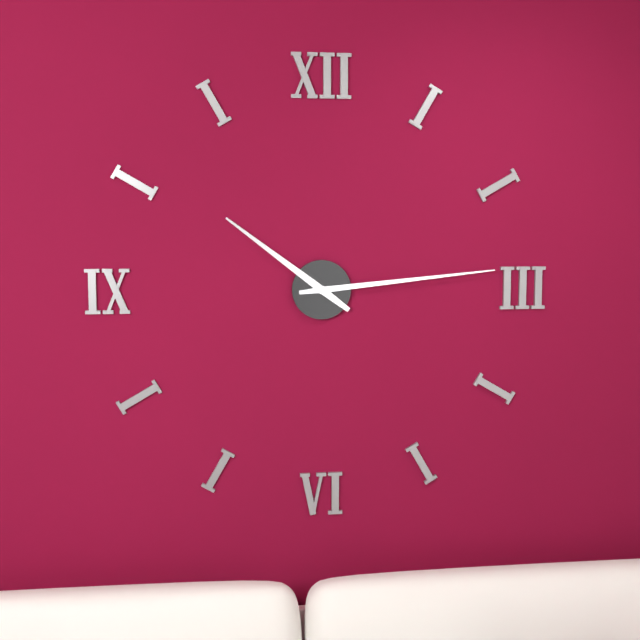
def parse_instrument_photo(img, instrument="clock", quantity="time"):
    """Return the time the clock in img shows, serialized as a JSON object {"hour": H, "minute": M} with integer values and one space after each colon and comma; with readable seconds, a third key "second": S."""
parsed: {"hour": 10, "minute": 14}
